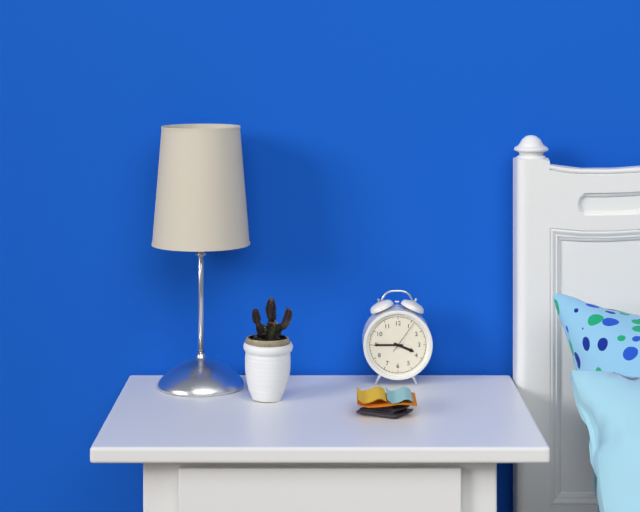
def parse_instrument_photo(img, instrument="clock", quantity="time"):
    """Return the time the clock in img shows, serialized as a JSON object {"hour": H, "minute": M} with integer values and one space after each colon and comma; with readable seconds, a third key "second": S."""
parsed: {"hour": 3, "minute": 45}
